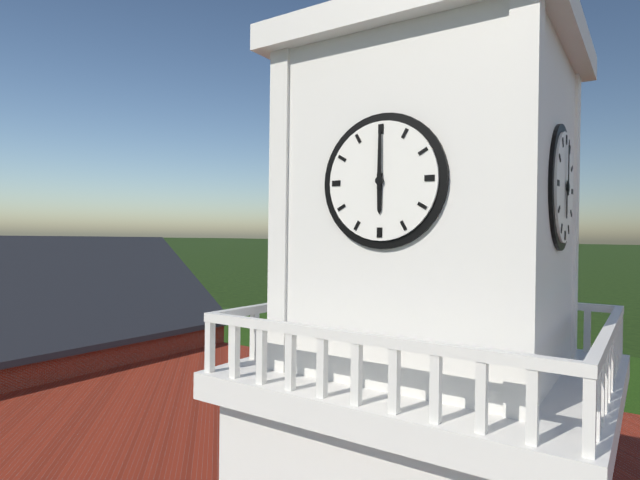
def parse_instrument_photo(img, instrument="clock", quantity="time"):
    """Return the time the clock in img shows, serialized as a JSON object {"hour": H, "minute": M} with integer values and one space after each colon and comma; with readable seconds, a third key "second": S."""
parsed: {"hour": 6, "minute": 0}
